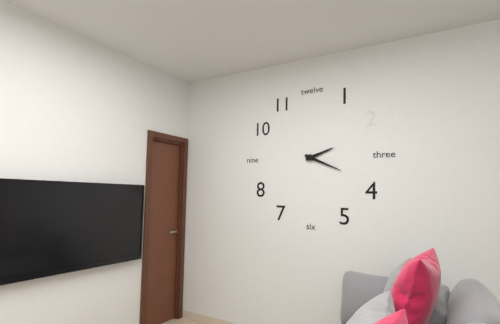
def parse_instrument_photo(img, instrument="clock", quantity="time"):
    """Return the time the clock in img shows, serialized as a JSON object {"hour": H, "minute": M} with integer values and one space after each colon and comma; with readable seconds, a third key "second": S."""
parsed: {"hour": 2, "minute": 19}
